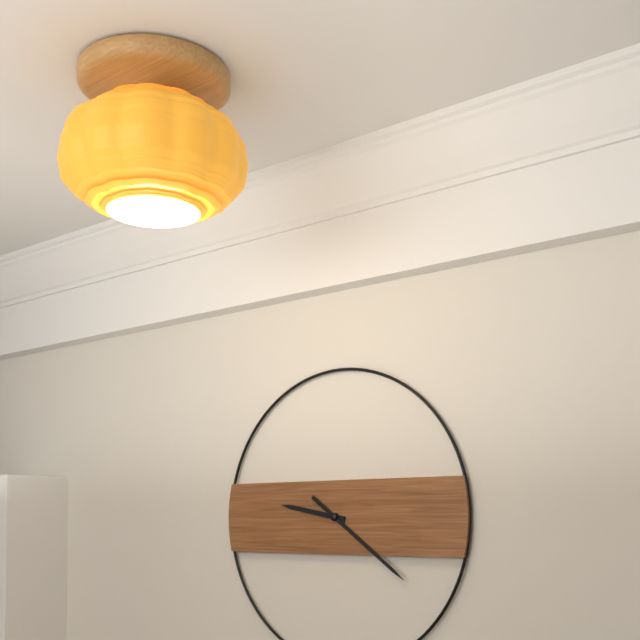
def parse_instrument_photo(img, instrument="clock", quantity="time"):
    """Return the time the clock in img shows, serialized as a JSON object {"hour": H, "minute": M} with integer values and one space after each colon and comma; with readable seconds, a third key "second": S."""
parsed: {"hour": 9, "minute": 21}
